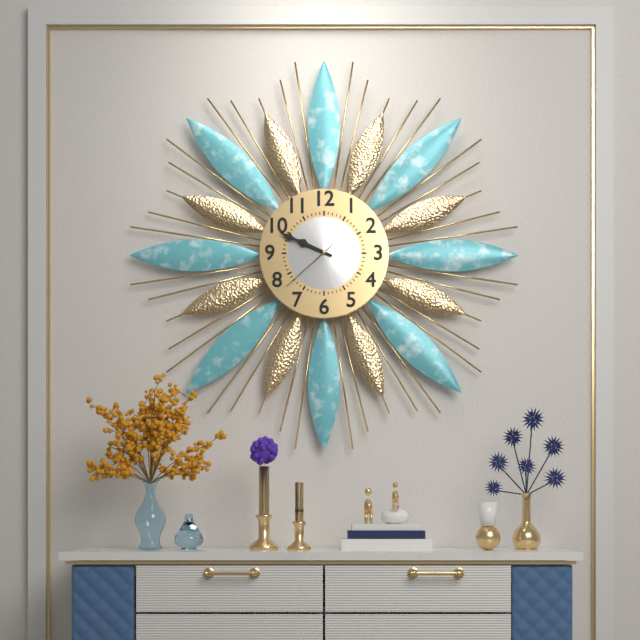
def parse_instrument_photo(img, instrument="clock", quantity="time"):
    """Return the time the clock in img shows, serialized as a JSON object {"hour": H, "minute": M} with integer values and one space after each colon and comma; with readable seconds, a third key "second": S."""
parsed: {"hour": 9, "minute": 49, "second": 38}
